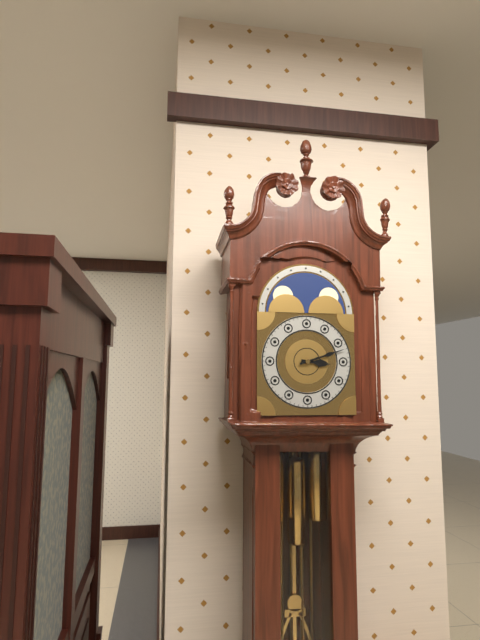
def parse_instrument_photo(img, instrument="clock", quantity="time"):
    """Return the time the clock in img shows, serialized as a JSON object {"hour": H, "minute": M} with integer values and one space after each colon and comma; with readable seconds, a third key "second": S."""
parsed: {"hour": 3, "minute": 12}
